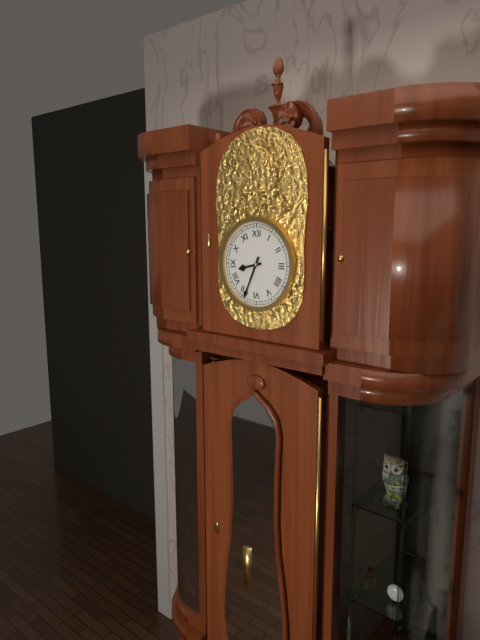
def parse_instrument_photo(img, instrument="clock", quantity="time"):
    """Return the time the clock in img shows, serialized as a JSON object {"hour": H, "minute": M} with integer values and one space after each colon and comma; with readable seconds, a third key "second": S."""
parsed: {"hour": 8, "minute": 34}
